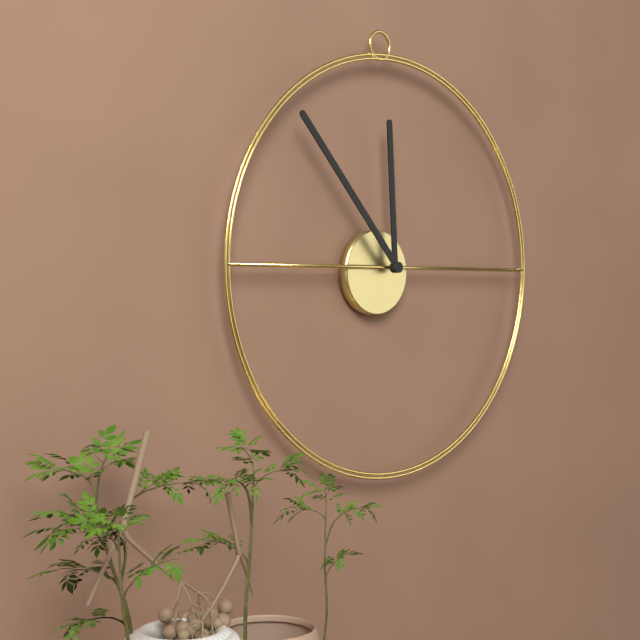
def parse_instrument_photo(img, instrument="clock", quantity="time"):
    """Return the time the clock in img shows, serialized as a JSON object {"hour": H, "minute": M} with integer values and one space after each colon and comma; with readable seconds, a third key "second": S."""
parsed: {"hour": 11, "minute": 53}
